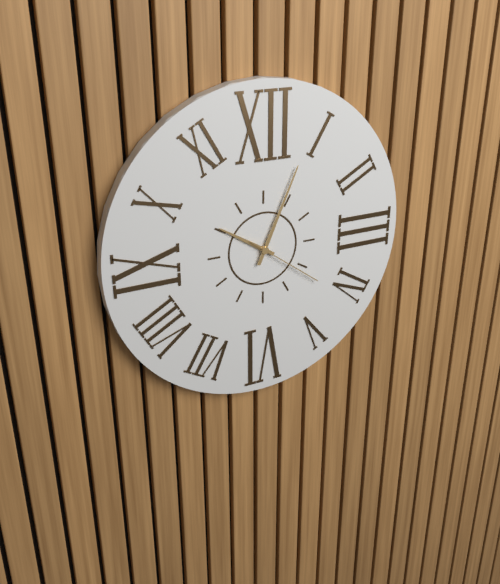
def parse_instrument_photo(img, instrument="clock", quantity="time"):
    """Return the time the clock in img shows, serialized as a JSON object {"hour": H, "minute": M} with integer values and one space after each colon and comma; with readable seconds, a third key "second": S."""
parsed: {"hour": 10, "minute": 4, "second": 21}
